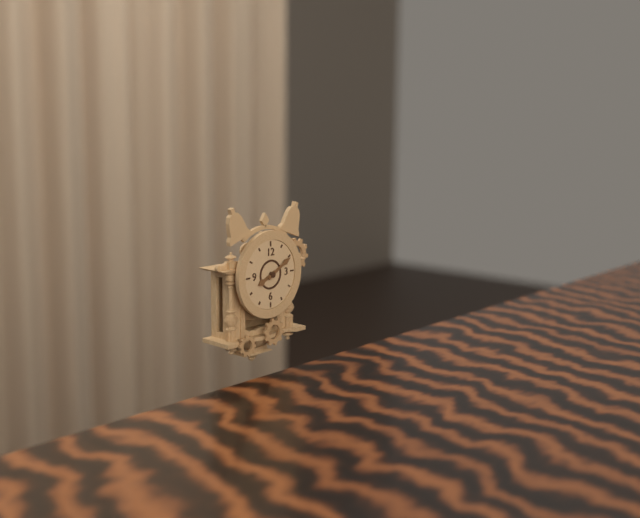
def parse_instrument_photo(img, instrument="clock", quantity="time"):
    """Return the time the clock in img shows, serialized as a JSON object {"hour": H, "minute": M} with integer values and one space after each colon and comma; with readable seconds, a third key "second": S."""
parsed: {"hour": 8, "minute": 10}
